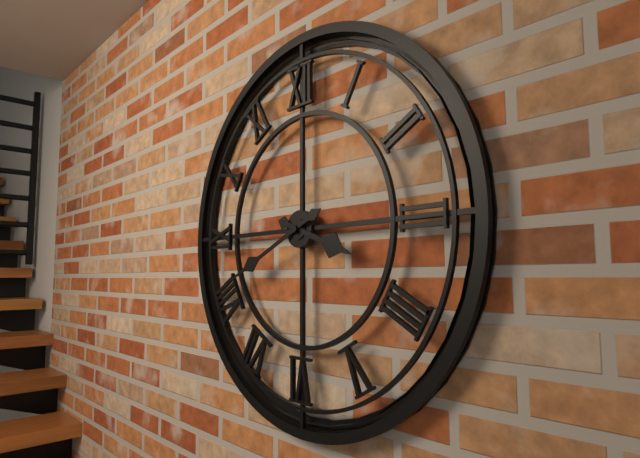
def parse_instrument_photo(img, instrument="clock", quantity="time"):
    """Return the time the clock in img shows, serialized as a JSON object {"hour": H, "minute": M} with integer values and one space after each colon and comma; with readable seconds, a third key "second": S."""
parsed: {"hour": 3, "minute": 41}
